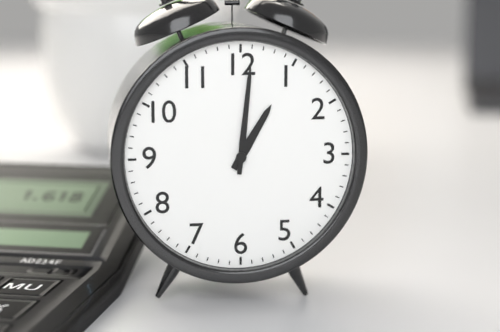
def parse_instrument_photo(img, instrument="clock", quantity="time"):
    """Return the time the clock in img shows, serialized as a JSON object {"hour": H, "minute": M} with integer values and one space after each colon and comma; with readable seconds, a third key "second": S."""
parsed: {"hour": 1, "minute": 1}
